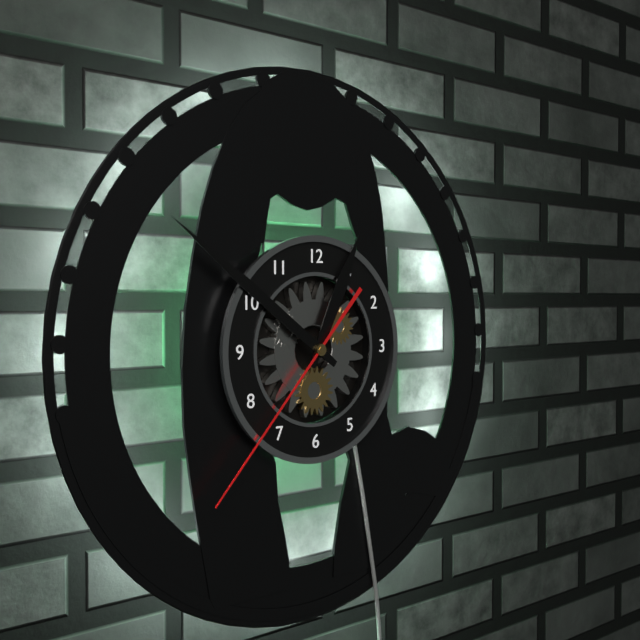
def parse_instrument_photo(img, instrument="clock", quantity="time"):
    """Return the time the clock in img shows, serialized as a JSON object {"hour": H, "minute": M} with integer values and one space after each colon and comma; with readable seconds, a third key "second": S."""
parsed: {"hour": 12, "minute": 51, "second": 37}
